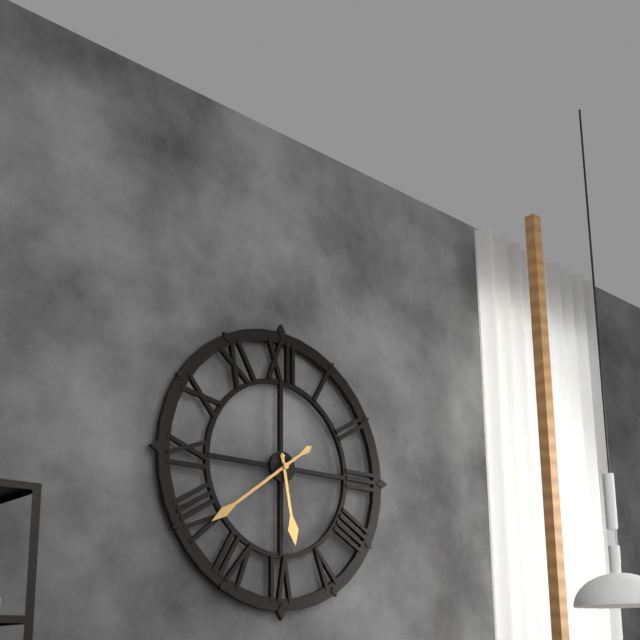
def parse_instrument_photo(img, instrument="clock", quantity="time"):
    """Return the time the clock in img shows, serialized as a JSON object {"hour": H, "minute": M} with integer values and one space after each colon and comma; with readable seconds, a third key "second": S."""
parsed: {"hour": 5, "minute": 39}
